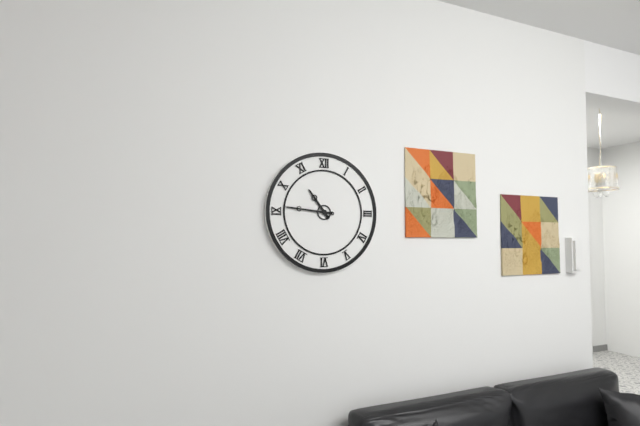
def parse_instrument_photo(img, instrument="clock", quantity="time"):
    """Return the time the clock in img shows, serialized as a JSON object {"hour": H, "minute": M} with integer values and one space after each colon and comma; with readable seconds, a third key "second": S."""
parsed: {"hour": 10, "minute": 46}
